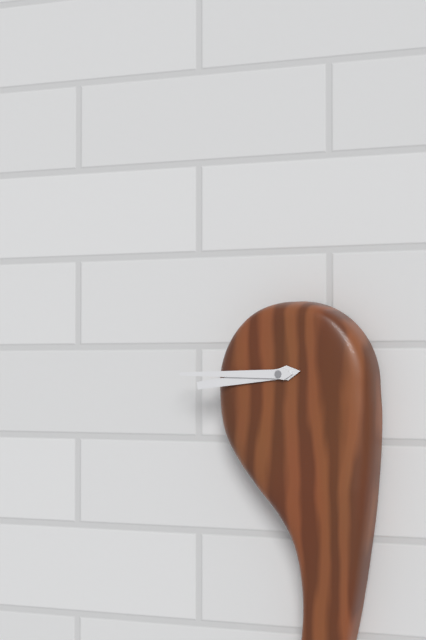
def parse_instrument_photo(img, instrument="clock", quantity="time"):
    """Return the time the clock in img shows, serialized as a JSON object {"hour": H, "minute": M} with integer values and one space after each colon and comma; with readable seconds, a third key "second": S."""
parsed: {"hour": 8, "minute": 45}
